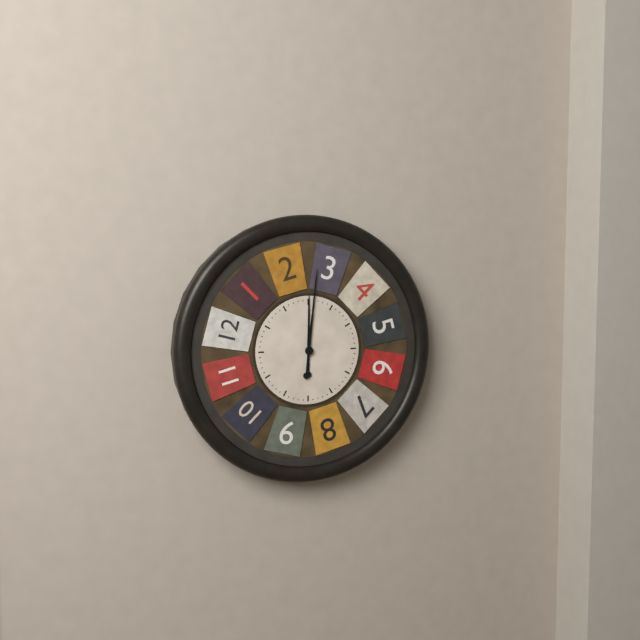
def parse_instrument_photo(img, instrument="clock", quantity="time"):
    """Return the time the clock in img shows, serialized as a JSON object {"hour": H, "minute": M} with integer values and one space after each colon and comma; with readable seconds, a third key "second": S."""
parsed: {"hour": 12, "minute": 1}
